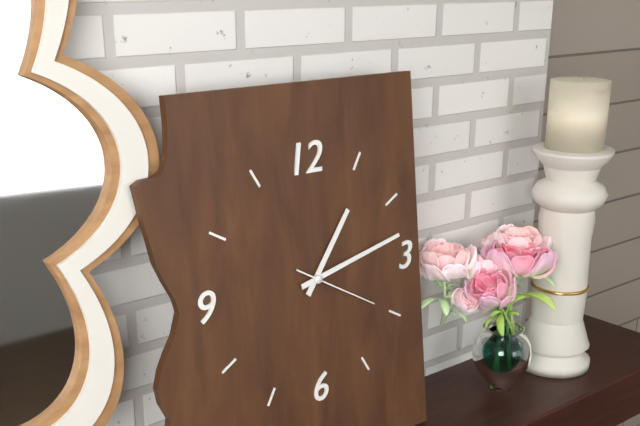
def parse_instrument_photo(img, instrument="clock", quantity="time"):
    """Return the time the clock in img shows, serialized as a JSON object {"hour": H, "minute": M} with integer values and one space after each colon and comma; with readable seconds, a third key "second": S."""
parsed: {"hour": 1, "minute": 13, "second": 20}
